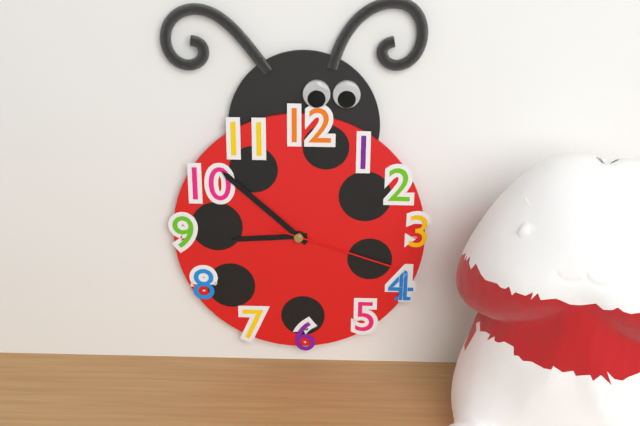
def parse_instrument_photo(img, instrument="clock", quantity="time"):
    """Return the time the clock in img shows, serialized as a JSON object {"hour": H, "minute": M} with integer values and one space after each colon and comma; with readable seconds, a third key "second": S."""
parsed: {"hour": 8, "minute": 52, "second": 18}
